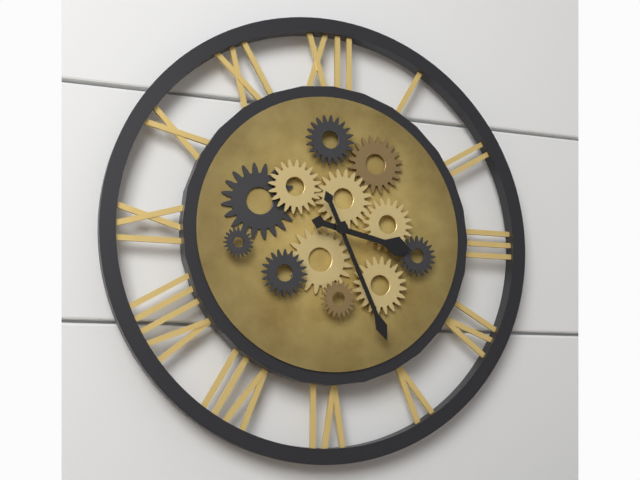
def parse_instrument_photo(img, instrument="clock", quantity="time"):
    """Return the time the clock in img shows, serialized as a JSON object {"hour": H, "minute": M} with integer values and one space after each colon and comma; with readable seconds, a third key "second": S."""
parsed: {"hour": 3, "minute": 26}
